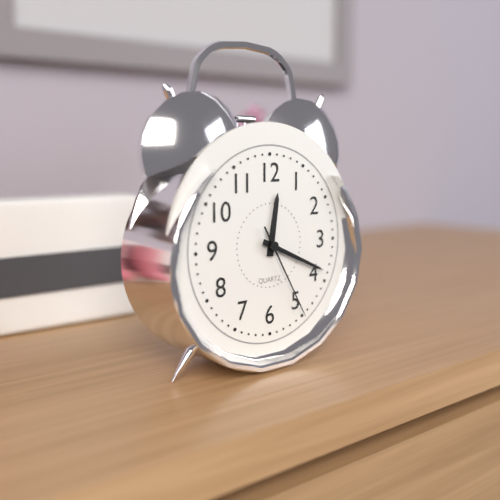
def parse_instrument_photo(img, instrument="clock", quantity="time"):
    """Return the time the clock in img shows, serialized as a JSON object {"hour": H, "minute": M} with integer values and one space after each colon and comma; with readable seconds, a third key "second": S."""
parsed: {"hour": 12, "minute": 19, "second": 25}
